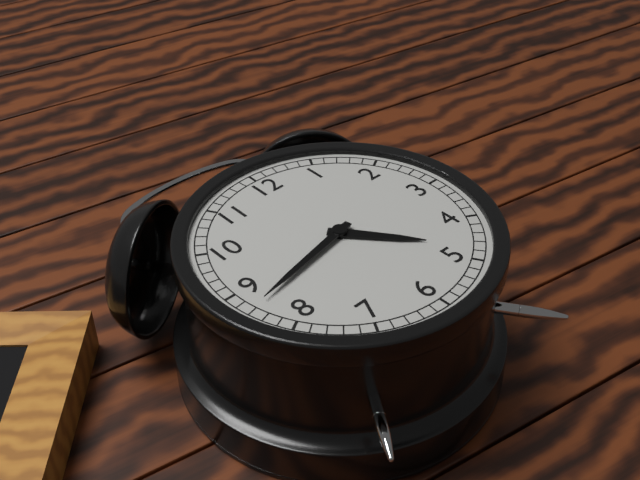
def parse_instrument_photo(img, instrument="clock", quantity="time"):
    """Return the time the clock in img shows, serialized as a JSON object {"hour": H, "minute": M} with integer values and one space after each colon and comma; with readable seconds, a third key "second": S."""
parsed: {"hour": 4, "minute": 43}
